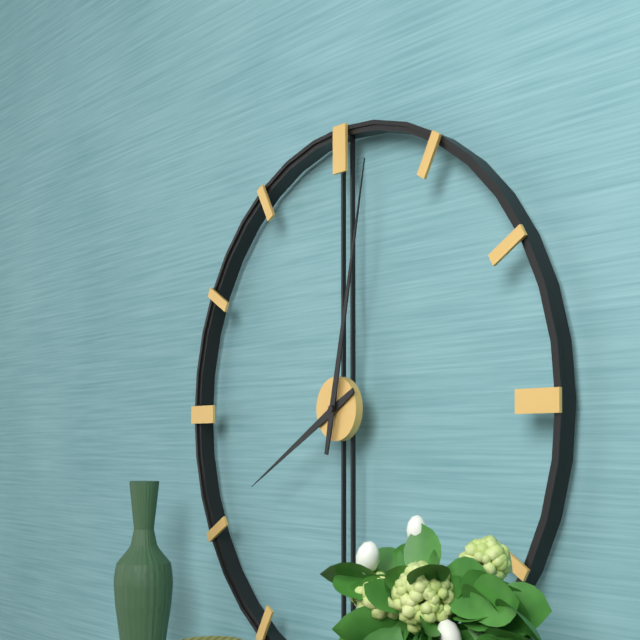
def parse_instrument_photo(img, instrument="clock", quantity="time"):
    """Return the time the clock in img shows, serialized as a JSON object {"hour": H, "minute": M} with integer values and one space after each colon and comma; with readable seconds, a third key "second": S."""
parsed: {"hour": 8, "minute": 2}
